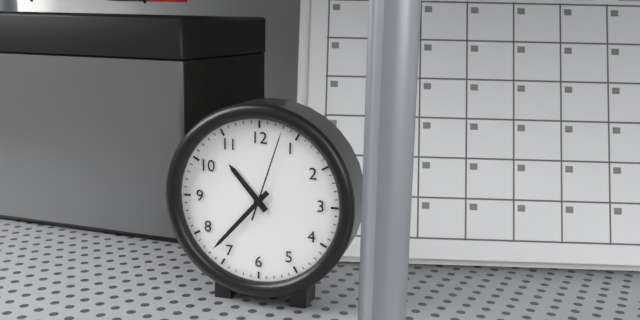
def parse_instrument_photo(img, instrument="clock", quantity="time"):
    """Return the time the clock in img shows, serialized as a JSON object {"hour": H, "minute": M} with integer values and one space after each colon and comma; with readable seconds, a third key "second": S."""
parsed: {"hour": 10, "minute": 37, "second": 3}
